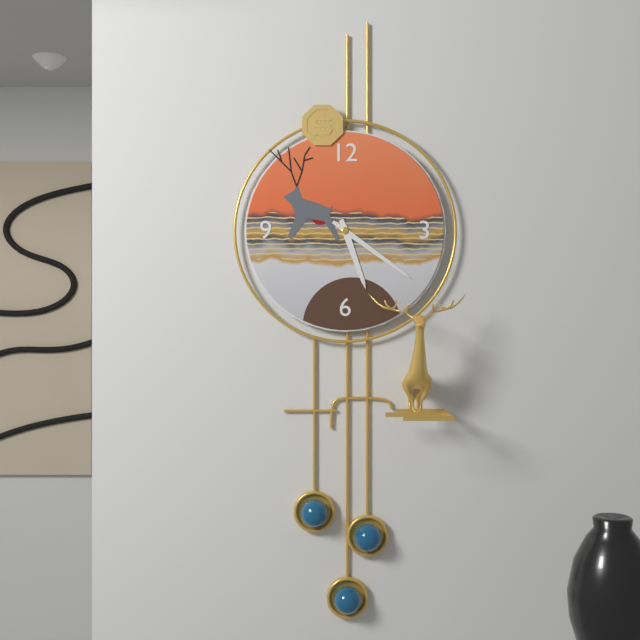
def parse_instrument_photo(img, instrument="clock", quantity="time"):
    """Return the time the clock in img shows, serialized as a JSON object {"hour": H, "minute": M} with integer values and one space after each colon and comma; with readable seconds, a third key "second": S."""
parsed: {"hour": 5, "minute": 21}
